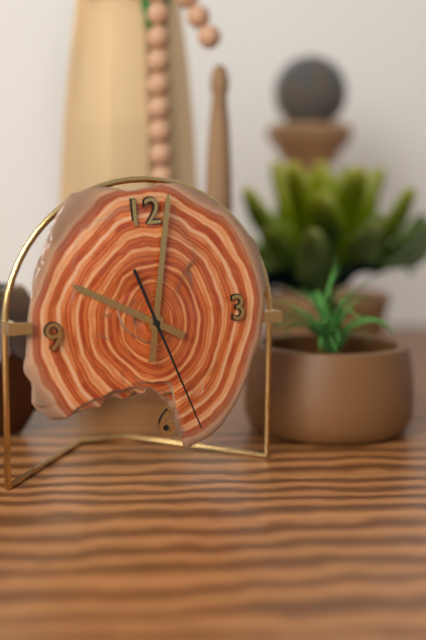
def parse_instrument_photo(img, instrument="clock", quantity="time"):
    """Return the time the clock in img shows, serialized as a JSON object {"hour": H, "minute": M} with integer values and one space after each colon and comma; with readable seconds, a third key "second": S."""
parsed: {"hour": 10, "minute": 2, "second": 27}
